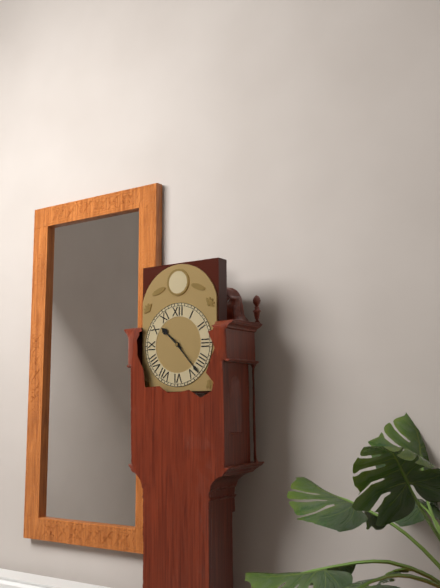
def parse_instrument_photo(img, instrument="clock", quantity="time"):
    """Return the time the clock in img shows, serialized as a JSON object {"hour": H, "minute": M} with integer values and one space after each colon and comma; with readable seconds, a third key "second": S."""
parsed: {"hour": 10, "minute": 23}
